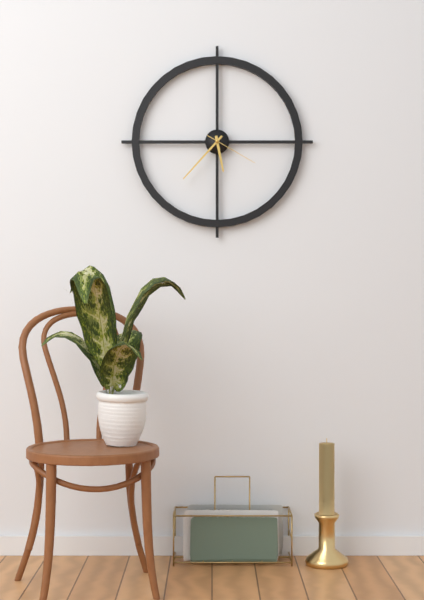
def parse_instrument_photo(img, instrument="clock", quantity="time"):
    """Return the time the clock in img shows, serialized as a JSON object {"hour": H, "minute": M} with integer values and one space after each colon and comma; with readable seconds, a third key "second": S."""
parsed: {"hour": 5, "minute": 37, "second": 20}
